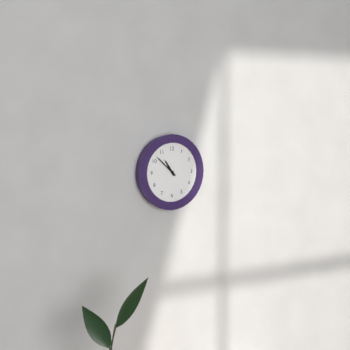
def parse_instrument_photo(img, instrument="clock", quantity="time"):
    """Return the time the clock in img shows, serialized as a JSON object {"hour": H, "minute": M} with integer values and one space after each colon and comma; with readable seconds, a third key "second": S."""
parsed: {"hour": 10, "minute": 52}
